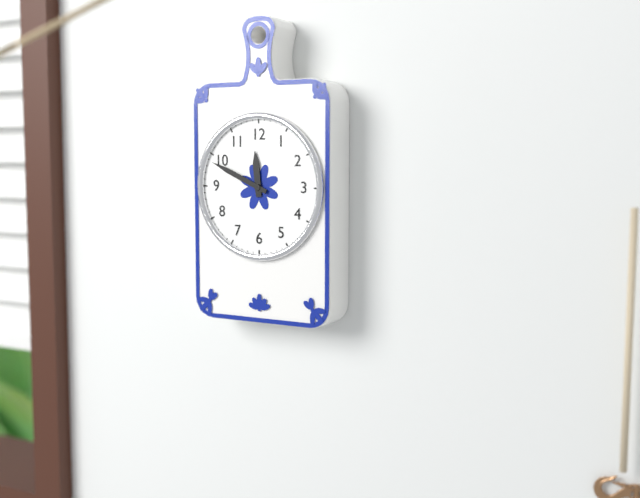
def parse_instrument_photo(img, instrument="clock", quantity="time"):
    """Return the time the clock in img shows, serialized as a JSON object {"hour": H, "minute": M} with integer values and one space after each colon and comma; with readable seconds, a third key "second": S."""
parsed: {"hour": 11, "minute": 49}
